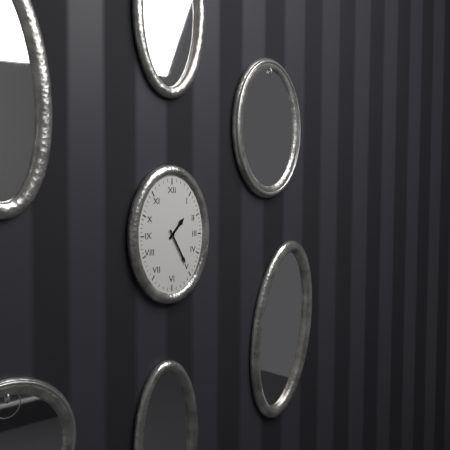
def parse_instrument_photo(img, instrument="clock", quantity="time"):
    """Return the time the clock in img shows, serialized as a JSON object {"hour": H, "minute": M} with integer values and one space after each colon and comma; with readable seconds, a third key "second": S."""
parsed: {"hour": 1, "minute": 25}
